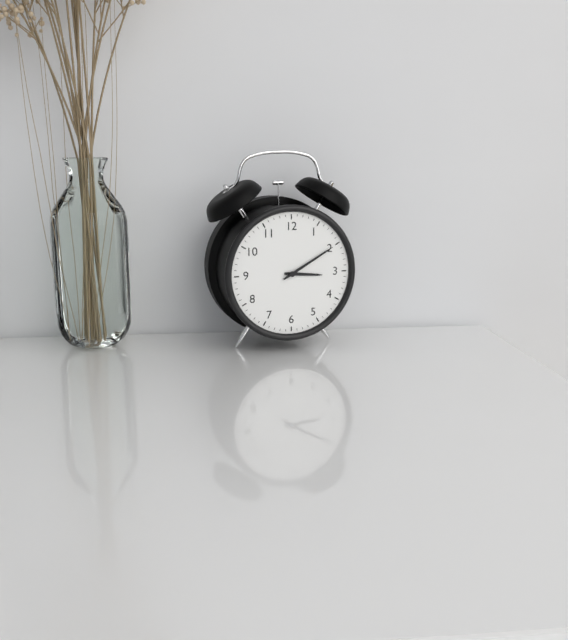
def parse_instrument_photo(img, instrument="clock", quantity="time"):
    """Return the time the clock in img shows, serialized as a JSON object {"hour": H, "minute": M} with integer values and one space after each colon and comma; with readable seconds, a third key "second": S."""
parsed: {"hour": 3, "minute": 10}
